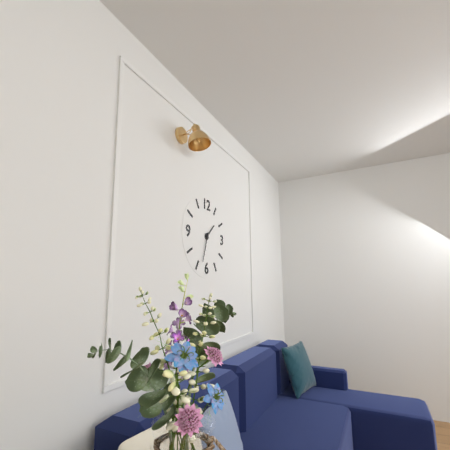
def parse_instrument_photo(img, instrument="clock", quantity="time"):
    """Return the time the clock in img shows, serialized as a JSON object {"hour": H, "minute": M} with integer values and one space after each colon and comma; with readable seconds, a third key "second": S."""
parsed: {"hour": 1, "minute": 33}
